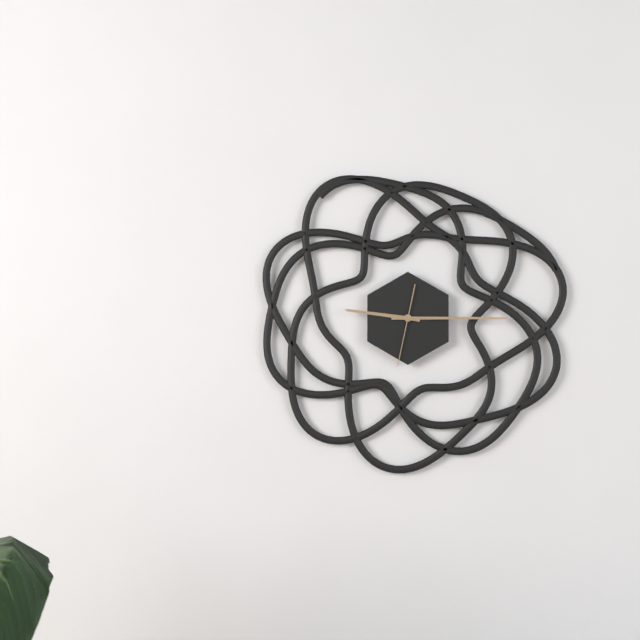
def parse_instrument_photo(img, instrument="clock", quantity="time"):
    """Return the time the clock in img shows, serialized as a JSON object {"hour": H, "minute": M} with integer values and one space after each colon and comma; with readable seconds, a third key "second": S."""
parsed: {"hour": 9, "minute": 15, "second": 32}
